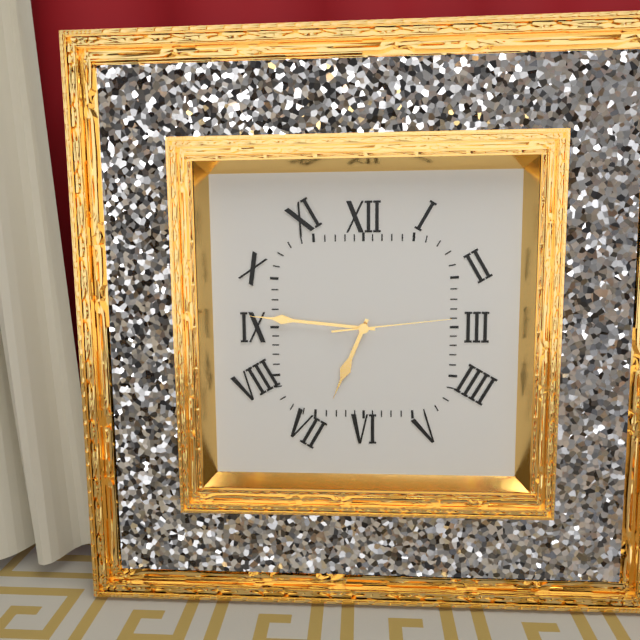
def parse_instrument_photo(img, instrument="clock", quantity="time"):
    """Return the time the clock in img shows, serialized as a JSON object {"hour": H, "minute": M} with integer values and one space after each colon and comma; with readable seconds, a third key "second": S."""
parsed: {"hour": 6, "minute": 46, "second": 14}
